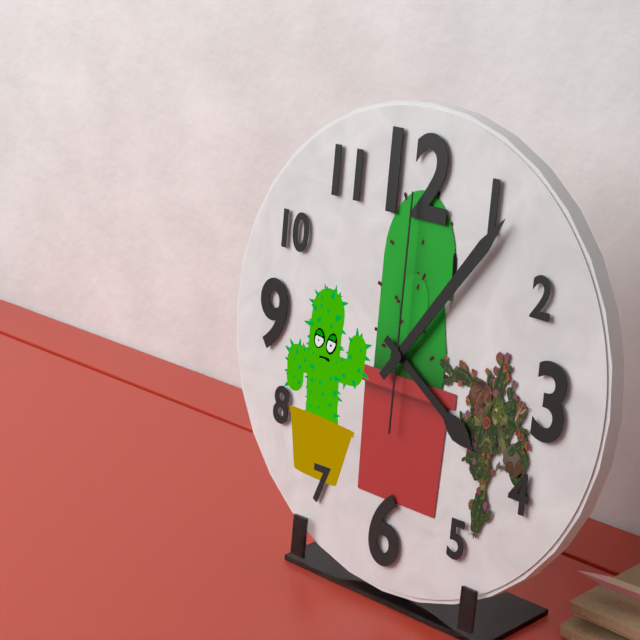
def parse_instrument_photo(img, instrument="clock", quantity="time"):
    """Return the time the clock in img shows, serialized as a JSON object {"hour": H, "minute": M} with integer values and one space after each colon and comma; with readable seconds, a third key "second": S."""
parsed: {"hour": 4, "minute": 6, "second": 0}
